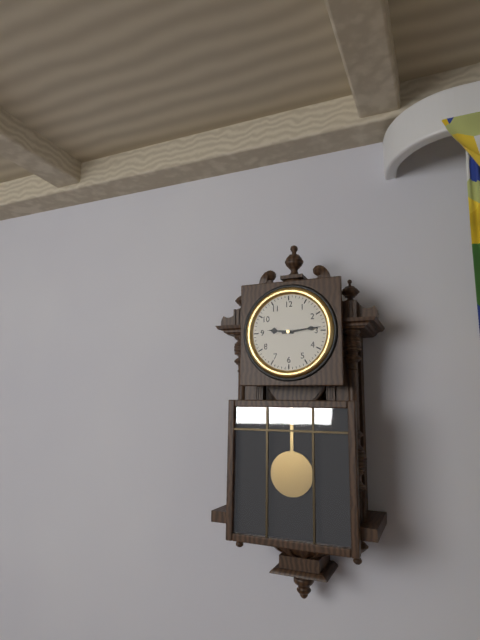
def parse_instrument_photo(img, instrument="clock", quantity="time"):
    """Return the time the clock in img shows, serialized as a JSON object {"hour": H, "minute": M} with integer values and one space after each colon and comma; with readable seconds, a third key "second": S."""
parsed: {"hour": 9, "minute": 14}
